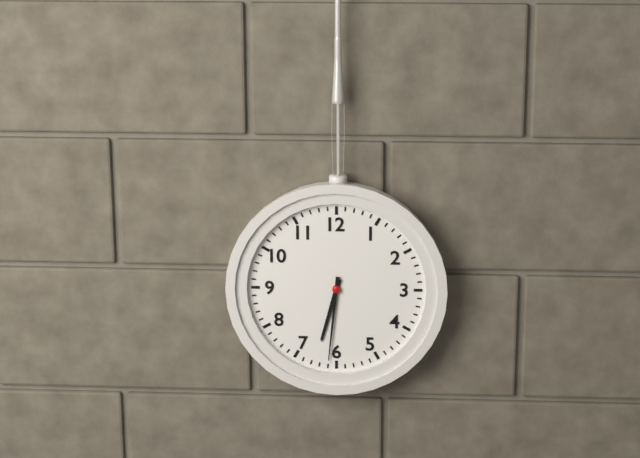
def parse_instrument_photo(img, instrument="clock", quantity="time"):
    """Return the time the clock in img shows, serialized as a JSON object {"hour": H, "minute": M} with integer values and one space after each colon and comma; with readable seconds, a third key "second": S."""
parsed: {"hour": 6, "minute": 31}
